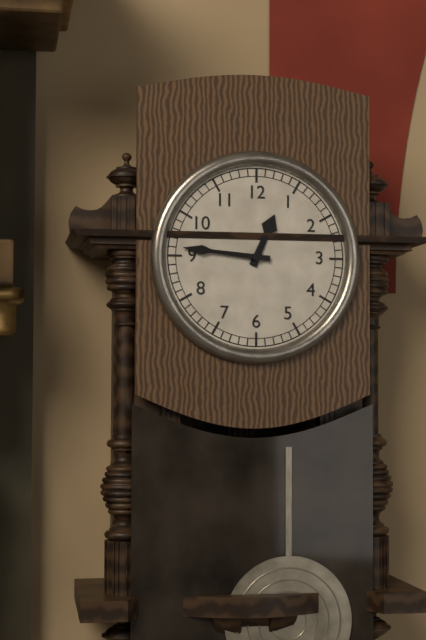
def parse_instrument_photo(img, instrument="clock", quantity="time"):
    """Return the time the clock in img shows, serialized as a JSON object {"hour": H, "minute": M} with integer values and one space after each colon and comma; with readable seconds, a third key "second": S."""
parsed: {"hour": 12, "minute": 46}
